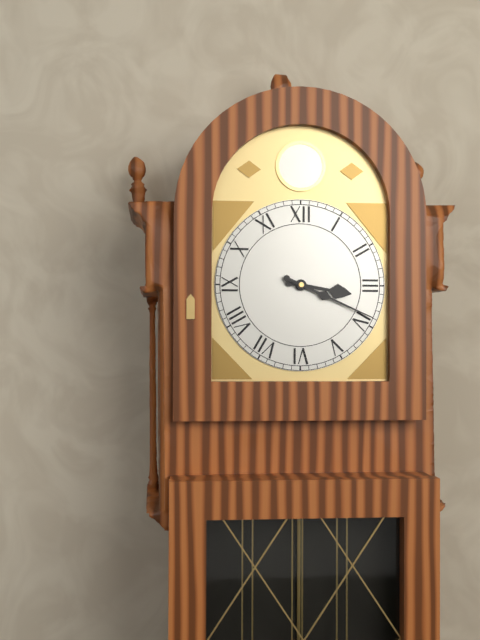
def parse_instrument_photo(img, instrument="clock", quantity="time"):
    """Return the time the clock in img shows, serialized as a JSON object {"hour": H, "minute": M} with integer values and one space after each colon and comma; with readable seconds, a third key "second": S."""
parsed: {"hour": 3, "minute": 19}
